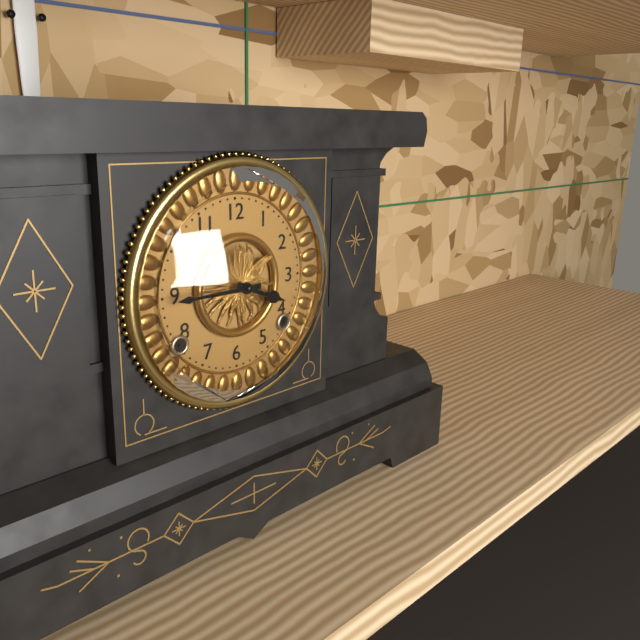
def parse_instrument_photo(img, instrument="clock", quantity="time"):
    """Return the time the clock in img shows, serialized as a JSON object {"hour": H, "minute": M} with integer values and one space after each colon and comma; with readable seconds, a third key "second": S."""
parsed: {"hour": 3, "minute": 45}
